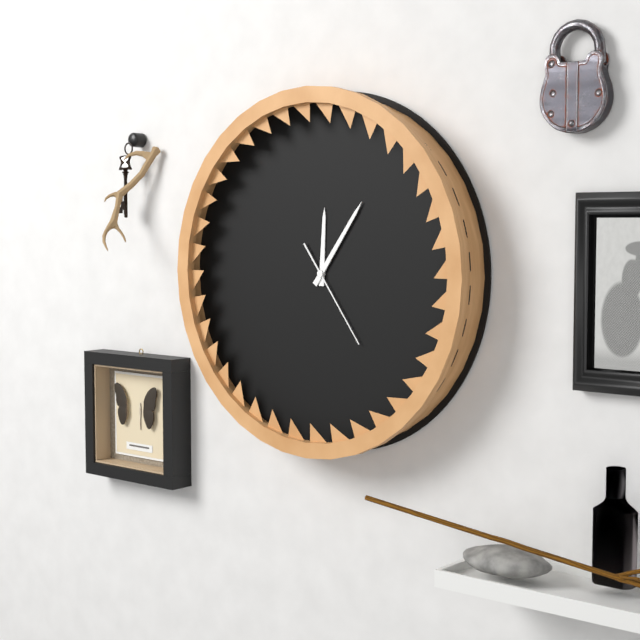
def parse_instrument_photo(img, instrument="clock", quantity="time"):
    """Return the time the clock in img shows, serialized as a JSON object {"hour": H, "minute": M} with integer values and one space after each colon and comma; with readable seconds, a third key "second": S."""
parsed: {"hour": 12, "minute": 6, "second": 24}
